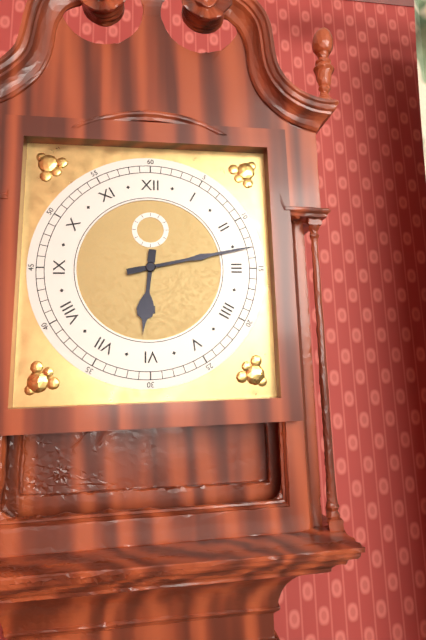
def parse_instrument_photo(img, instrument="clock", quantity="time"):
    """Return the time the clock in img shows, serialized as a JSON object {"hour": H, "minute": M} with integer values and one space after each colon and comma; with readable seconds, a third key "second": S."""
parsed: {"hour": 6, "minute": 13}
